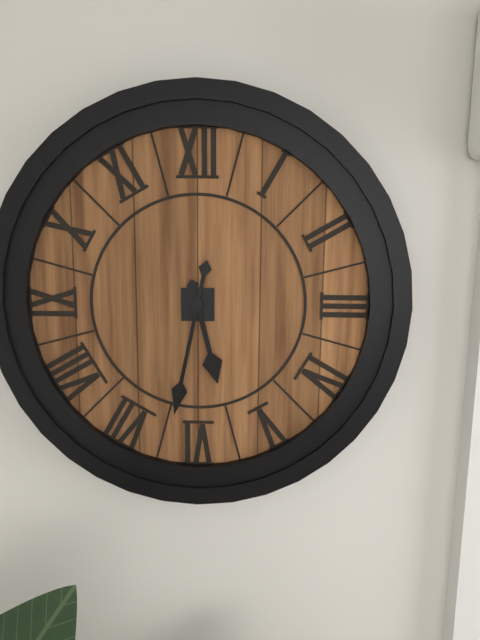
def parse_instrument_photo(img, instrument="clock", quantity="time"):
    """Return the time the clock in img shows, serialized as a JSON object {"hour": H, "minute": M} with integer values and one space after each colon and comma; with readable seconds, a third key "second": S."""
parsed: {"hour": 5, "minute": 32}
